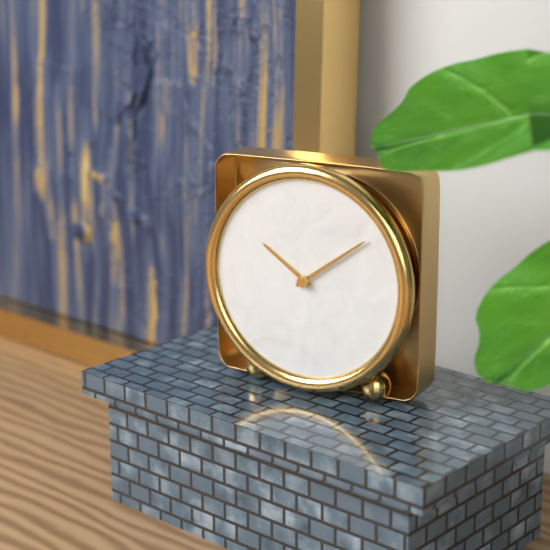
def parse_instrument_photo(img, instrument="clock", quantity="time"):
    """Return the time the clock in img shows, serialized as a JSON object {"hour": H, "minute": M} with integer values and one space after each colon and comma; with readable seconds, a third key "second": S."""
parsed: {"hour": 10, "minute": 9}
